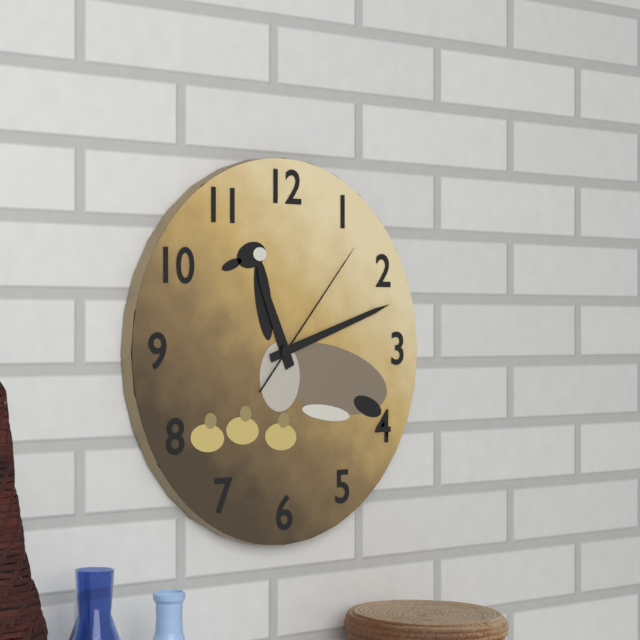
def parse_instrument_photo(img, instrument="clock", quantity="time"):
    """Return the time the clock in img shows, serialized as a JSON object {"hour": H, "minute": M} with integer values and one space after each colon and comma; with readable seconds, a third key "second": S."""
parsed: {"hour": 11, "minute": 12, "second": 7}
